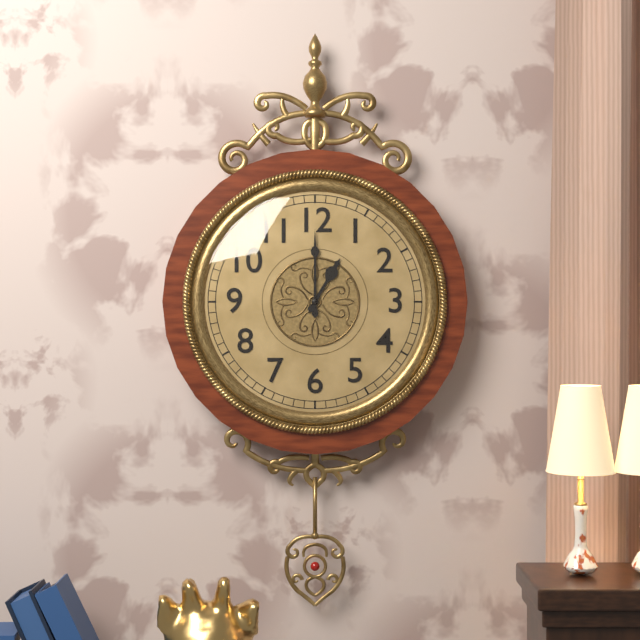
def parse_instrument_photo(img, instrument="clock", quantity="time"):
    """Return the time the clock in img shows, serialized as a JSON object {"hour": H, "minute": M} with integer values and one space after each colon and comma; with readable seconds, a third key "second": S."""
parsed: {"hour": 1, "minute": 0}
